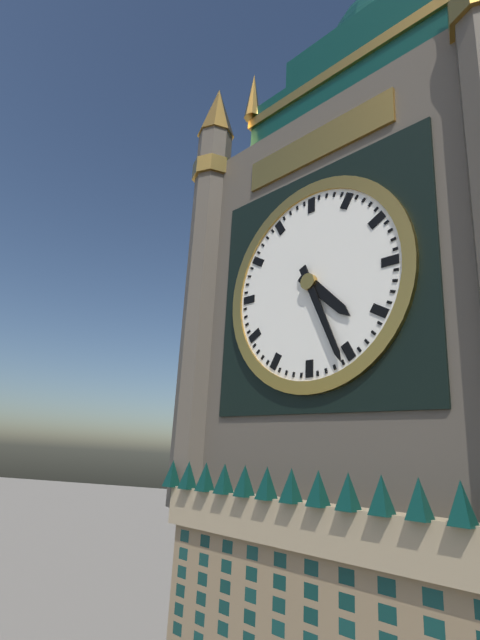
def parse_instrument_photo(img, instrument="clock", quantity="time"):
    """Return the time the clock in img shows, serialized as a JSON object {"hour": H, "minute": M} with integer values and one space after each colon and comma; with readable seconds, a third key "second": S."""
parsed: {"hour": 4, "minute": 26}
